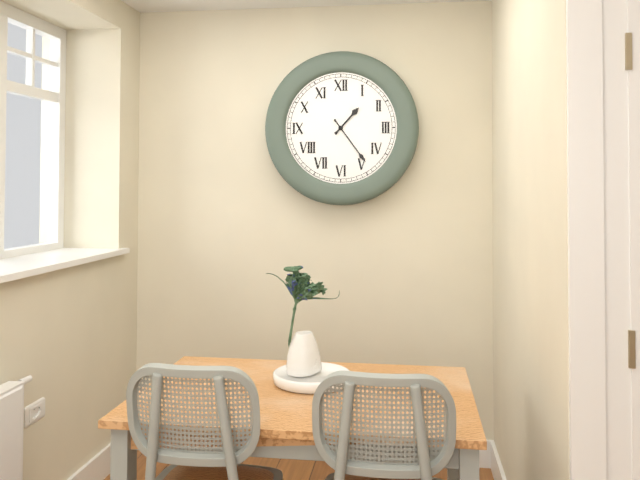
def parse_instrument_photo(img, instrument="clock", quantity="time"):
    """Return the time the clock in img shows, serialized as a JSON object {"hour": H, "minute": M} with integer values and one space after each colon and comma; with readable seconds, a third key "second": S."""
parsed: {"hour": 1, "minute": 24}
